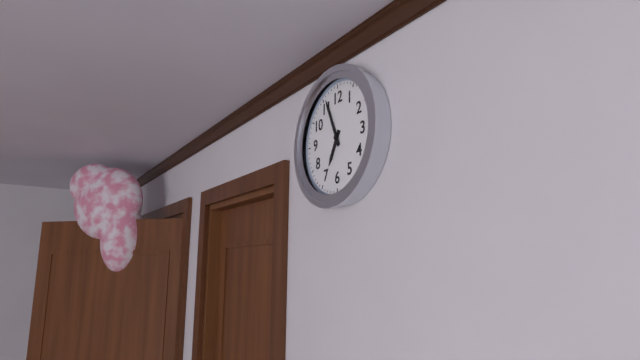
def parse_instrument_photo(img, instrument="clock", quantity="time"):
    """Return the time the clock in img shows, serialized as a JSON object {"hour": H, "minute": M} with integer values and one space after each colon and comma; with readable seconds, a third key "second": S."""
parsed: {"hour": 6, "minute": 56}
